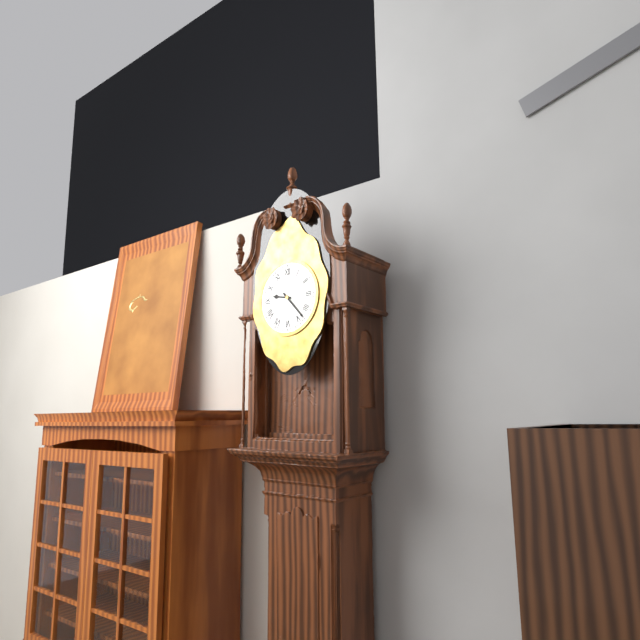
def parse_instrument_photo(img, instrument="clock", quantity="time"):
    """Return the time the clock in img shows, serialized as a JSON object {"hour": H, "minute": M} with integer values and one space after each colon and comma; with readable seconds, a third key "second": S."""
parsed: {"hour": 9, "minute": 23}
